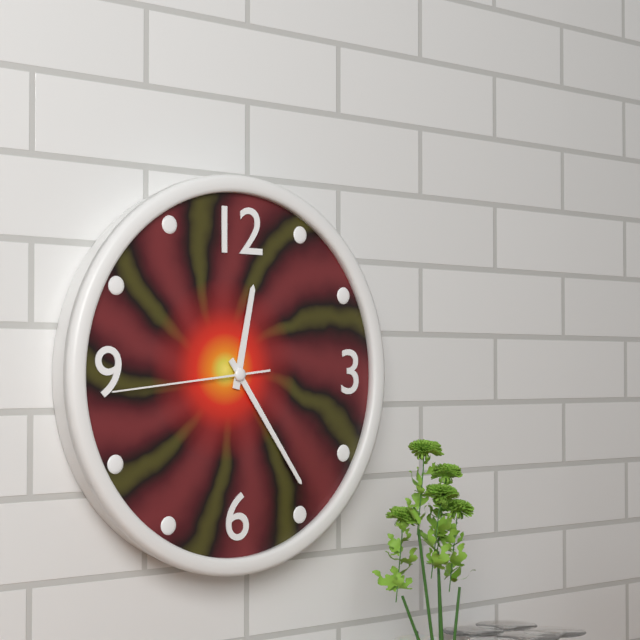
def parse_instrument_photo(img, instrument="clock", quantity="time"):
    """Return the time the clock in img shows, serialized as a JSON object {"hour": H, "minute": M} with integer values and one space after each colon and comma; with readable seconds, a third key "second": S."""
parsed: {"hour": 12, "minute": 24, "second": 44}
